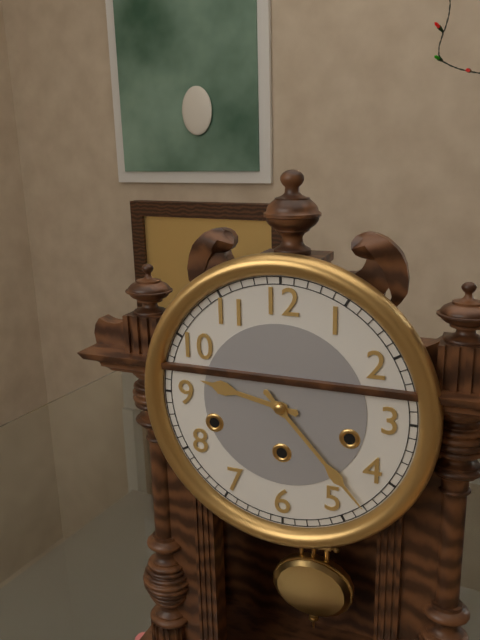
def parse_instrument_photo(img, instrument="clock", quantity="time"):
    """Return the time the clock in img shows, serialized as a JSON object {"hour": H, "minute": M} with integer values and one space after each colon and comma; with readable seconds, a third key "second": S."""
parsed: {"hour": 9, "minute": 23}
